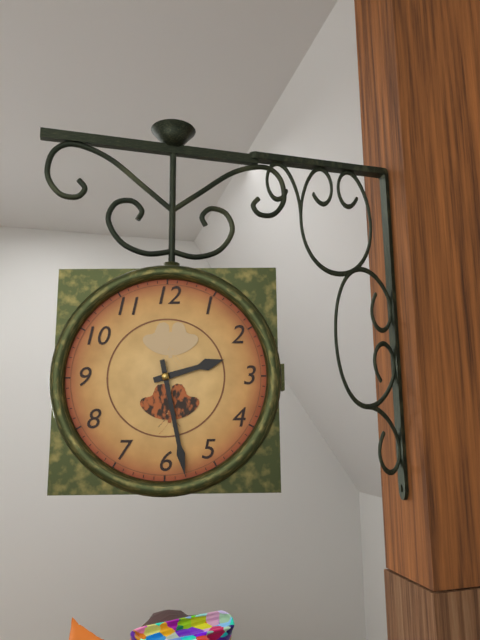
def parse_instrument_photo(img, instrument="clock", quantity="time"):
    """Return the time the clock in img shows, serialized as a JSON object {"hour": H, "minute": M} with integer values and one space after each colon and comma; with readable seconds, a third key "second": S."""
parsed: {"hour": 2, "minute": 28}
